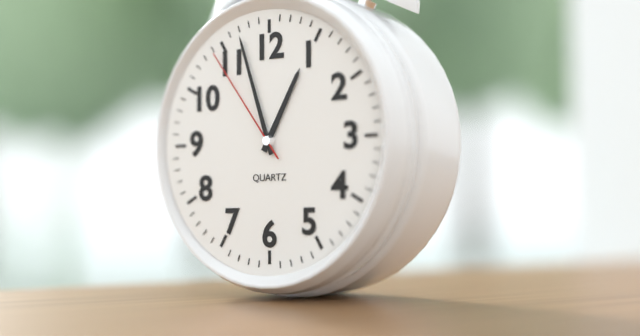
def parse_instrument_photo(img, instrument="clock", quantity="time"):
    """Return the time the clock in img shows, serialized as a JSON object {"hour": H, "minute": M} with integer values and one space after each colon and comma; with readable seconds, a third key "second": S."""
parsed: {"hour": 12, "minute": 57, "second": 54}
